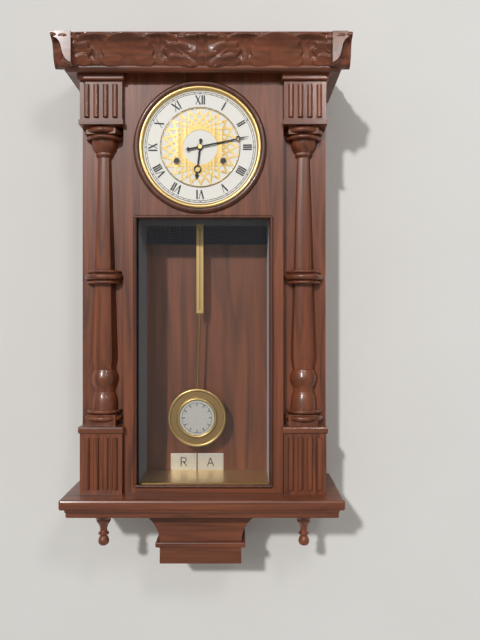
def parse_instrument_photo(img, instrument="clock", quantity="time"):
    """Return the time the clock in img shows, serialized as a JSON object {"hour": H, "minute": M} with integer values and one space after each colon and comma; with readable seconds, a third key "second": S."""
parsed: {"hour": 6, "minute": 13}
